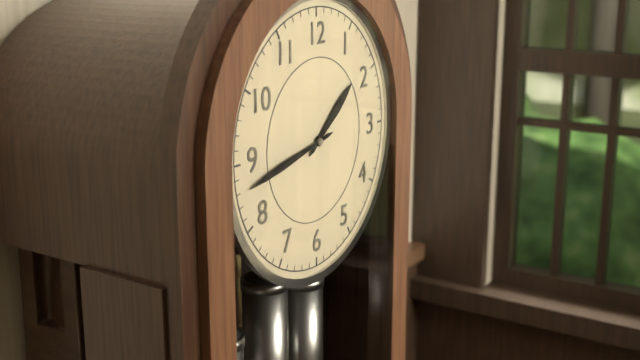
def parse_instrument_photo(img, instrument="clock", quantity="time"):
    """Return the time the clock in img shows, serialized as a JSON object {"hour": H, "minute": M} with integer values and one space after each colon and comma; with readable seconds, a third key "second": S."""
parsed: {"hour": 1, "minute": 43}
